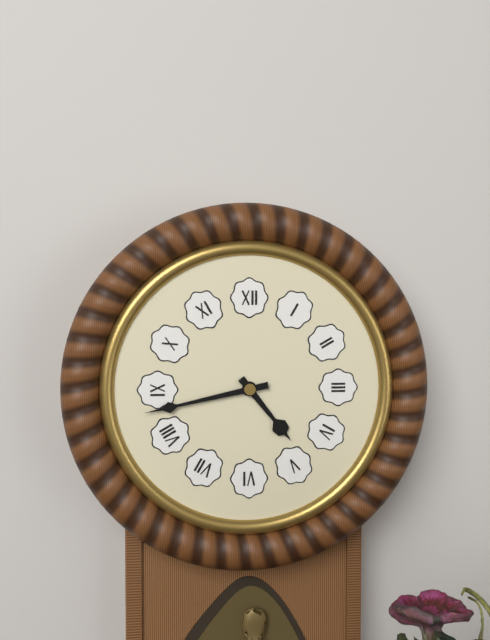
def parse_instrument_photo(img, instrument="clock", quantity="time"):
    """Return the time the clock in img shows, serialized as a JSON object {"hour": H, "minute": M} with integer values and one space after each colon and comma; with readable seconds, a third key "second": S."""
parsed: {"hour": 4, "minute": 43}
